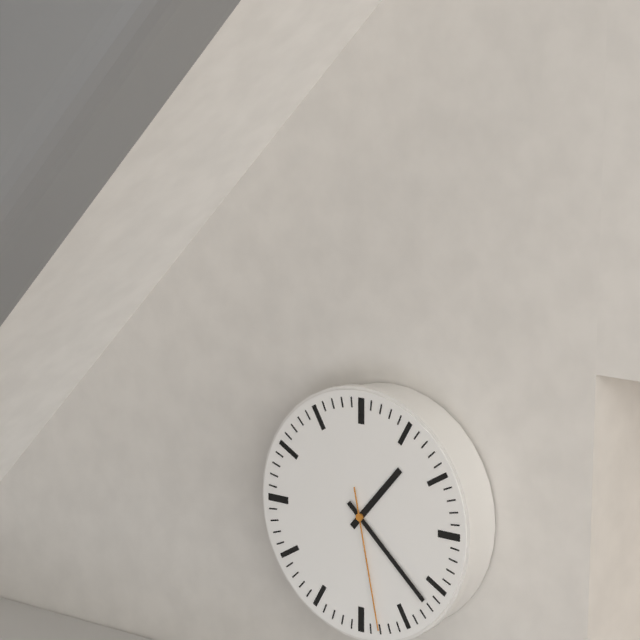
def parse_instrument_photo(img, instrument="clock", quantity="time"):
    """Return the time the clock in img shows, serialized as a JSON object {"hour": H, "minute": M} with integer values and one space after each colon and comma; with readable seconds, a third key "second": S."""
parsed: {"hour": 1, "minute": 22, "second": 28}
